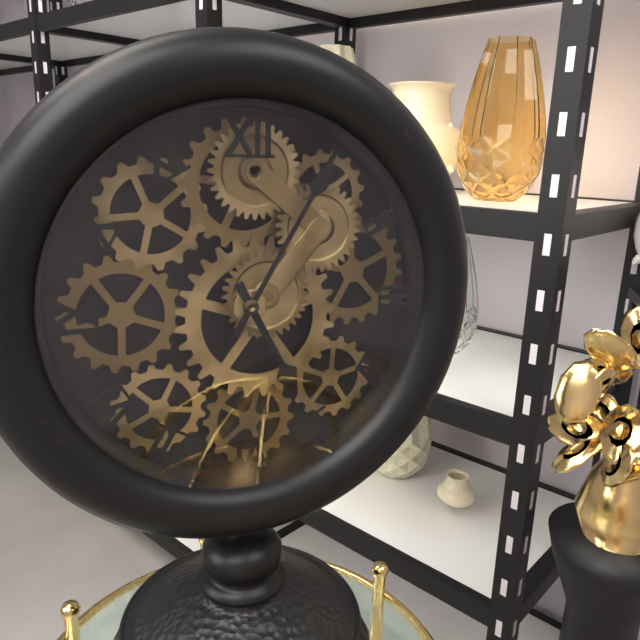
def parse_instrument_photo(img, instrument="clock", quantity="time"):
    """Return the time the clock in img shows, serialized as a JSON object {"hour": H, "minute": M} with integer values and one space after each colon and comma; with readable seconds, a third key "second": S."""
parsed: {"hour": 5, "minute": 5}
